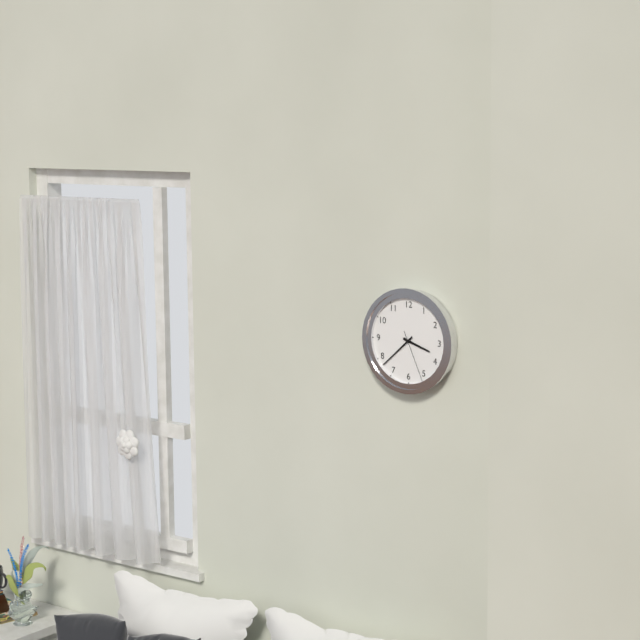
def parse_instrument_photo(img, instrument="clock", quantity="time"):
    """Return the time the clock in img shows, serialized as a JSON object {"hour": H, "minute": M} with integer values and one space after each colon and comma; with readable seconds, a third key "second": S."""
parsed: {"hour": 3, "minute": 38, "second": 26}
